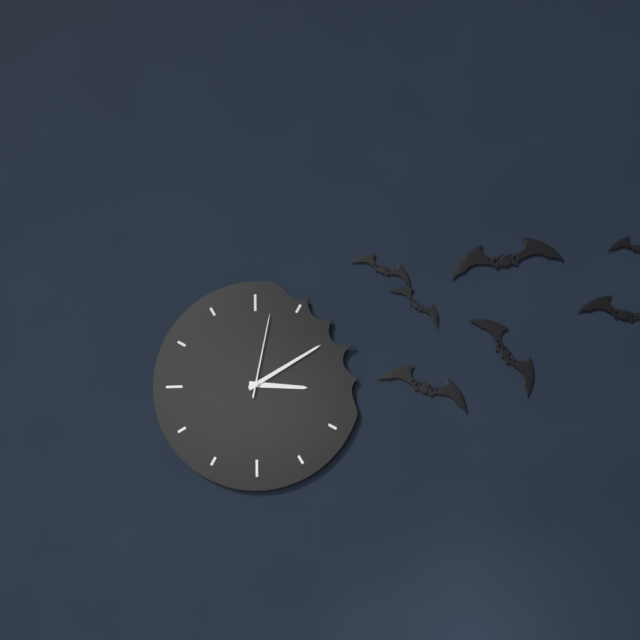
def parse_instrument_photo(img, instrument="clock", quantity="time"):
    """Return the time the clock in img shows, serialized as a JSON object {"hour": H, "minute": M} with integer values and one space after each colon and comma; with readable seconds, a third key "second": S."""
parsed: {"hour": 3, "minute": 10, "second": 2}
